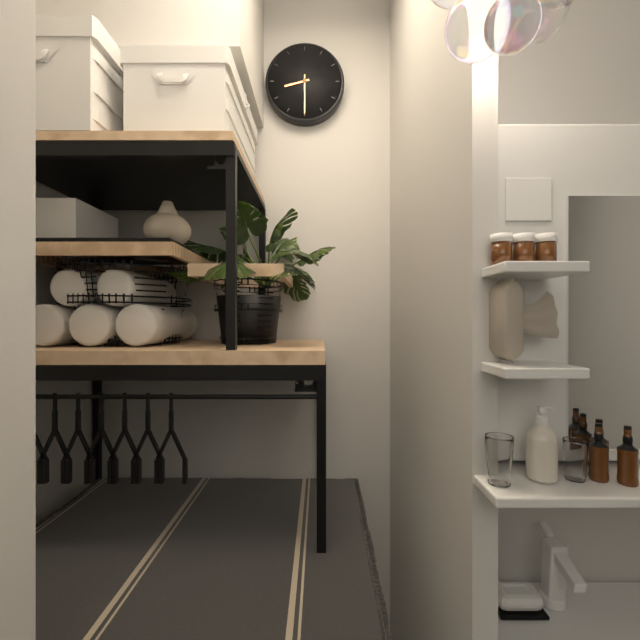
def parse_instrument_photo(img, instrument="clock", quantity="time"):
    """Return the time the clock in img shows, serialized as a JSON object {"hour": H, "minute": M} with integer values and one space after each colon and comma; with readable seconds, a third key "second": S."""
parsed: {"hour": 8, "minute": 30}
